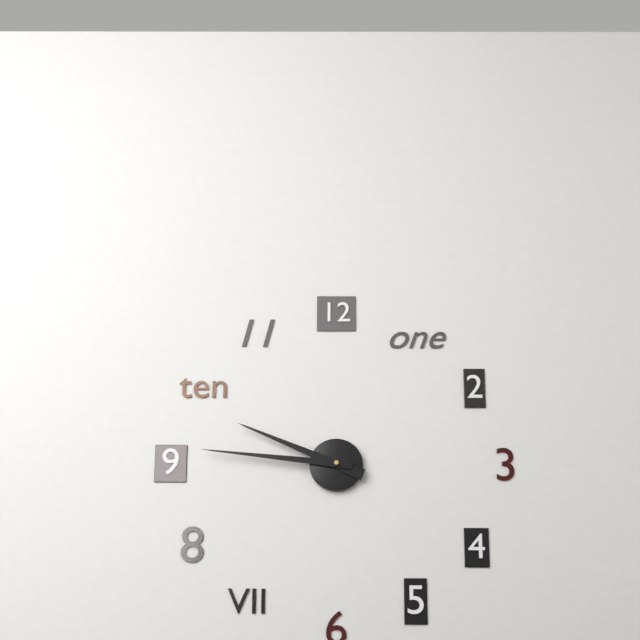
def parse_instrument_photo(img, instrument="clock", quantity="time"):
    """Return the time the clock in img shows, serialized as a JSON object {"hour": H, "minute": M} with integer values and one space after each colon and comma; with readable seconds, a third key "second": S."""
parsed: {"hour": 9, "minute": 46}
